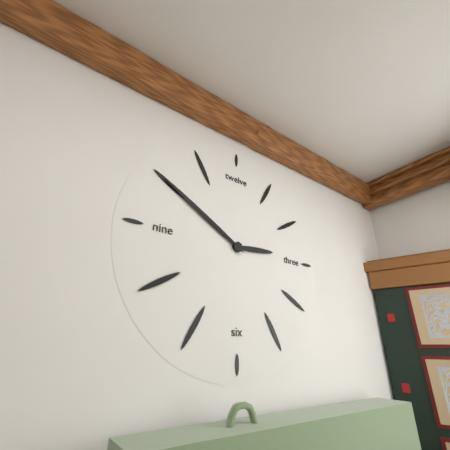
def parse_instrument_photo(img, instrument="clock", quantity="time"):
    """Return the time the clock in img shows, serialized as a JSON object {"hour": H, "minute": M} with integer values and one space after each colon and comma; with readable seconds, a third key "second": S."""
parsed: {"hour": 2, "minute": 50}
